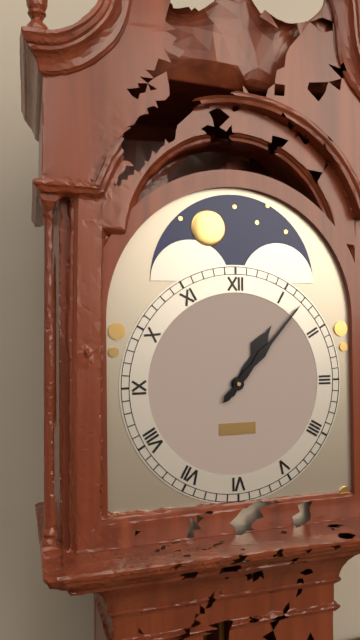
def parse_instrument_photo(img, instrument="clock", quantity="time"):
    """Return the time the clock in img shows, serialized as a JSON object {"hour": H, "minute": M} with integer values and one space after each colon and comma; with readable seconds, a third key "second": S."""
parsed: {"hour": 1, "minute": 7}
